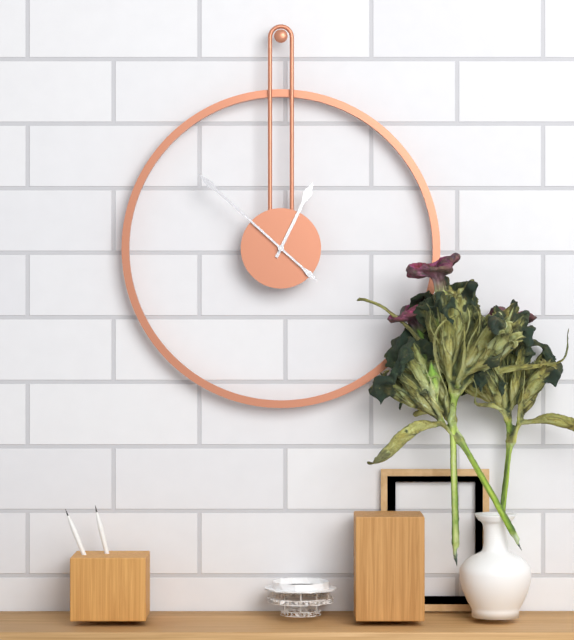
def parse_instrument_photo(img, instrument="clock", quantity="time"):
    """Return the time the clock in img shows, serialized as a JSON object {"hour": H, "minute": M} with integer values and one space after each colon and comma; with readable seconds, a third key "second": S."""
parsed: {"hour": 12, "minute": 52}
